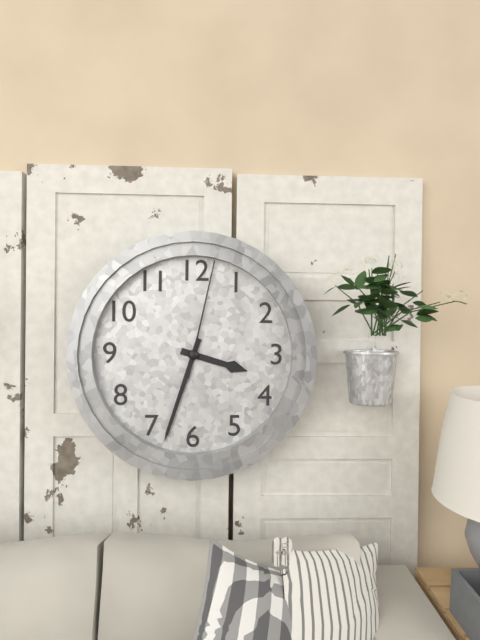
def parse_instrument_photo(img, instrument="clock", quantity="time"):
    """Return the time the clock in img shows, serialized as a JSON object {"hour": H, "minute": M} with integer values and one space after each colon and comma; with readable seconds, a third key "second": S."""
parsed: {"hour": 3, "minute": 33, "second": 2}
